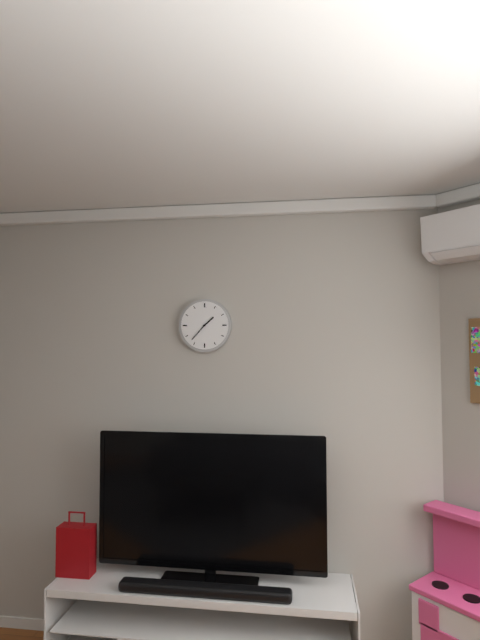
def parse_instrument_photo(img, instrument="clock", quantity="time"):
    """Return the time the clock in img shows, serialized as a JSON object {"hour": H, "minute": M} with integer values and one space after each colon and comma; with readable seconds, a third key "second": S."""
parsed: {"hour": 1, "minute": 37}
